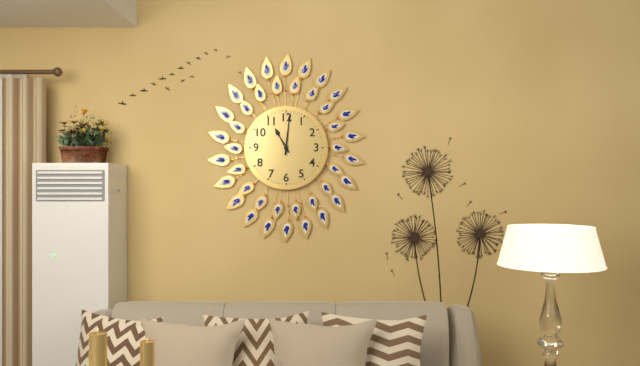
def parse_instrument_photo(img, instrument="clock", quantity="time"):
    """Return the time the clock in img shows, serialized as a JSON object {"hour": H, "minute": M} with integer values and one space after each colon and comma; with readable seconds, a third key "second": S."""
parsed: {"hour": 11, "minute": 1}
